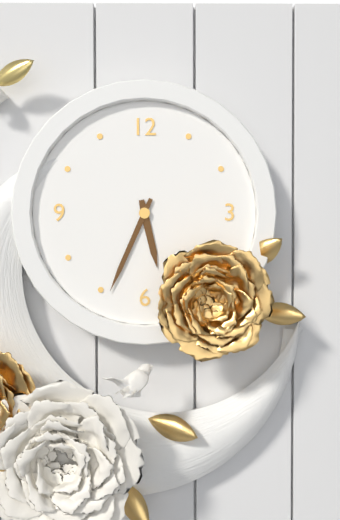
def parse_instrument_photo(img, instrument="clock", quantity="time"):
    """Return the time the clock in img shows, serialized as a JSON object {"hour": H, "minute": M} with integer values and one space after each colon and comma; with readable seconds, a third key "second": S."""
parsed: {"hour": 5, "minute": 34}
